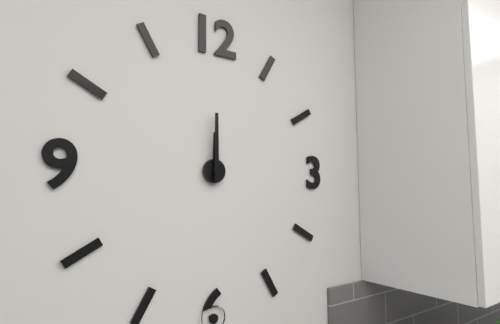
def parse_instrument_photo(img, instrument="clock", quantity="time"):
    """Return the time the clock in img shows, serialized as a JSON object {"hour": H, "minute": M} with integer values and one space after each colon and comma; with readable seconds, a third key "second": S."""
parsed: {"hour": 12, "minute": 0}
